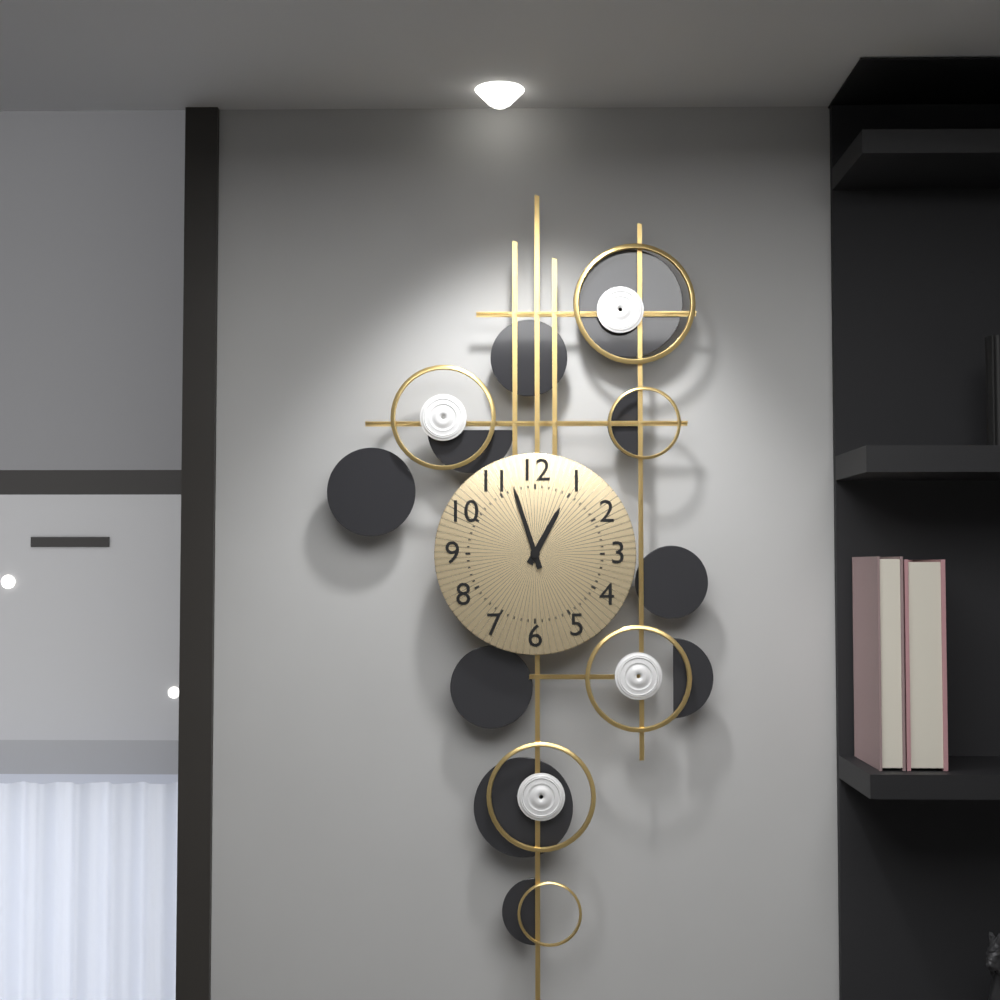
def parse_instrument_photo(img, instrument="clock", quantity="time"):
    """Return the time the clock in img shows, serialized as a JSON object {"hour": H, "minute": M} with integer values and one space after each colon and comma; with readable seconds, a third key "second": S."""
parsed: {"hour": 12, "minute": 57}
